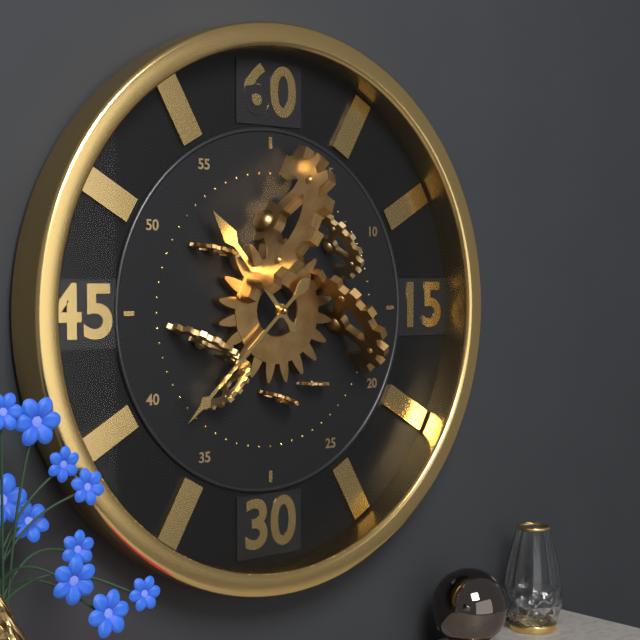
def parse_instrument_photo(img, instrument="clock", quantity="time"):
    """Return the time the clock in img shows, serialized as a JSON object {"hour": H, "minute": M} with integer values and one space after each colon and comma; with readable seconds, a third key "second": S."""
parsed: {"hour": 10, "minute": 38}
